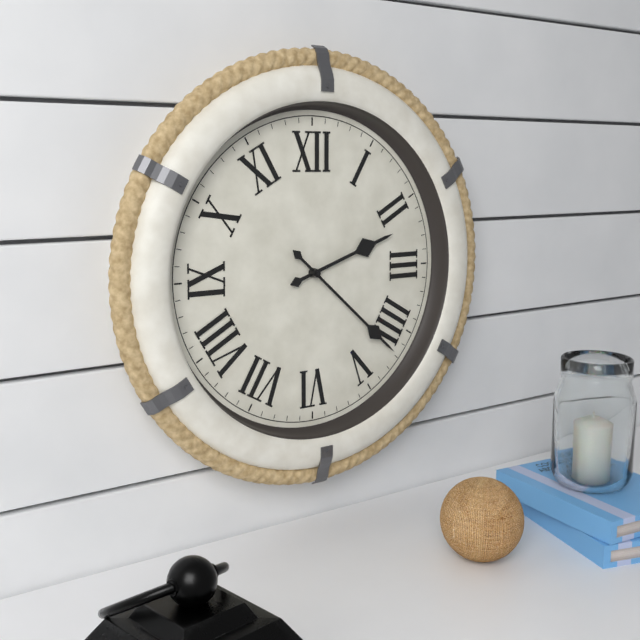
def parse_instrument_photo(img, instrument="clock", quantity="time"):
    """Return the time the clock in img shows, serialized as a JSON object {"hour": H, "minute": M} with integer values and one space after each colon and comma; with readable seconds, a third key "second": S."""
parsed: {"hour": 2, "minute": 22}
